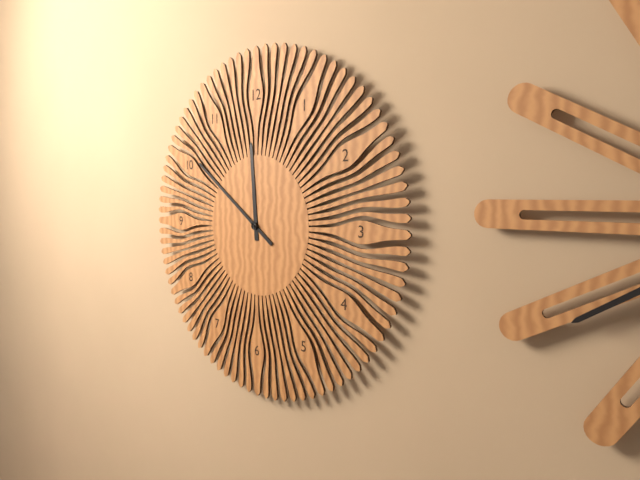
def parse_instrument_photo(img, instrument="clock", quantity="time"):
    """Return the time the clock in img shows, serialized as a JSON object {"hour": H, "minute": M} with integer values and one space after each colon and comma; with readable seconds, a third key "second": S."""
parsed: {"hour": 11, "minute": 51}
